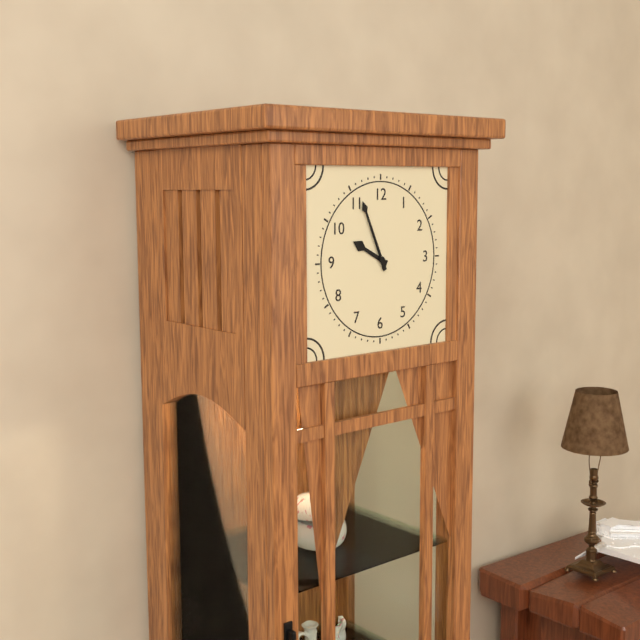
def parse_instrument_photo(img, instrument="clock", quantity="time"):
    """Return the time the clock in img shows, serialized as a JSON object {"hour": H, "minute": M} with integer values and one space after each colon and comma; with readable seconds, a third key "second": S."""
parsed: {"hour": 9, "minute": 56}
